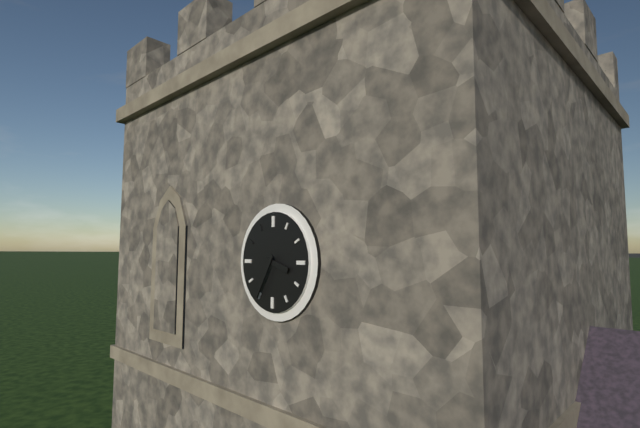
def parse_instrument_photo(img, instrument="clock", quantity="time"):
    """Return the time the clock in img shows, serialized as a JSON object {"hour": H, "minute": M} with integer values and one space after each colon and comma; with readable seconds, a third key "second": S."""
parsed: {"hour": 3, "minute": 35}
